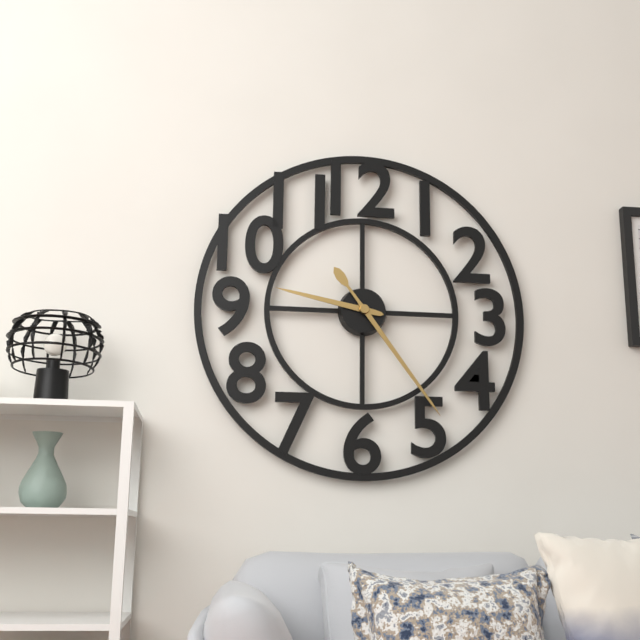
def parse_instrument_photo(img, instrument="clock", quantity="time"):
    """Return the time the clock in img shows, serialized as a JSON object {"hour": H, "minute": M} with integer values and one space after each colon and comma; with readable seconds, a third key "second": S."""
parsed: {"hour": 9, "minute": 24}
